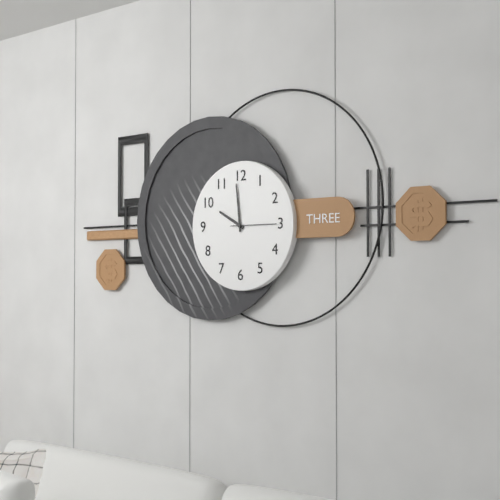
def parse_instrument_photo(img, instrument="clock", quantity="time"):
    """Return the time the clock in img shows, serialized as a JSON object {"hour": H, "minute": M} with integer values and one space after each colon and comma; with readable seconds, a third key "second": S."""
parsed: {"hour": 9, "minute": 59}
